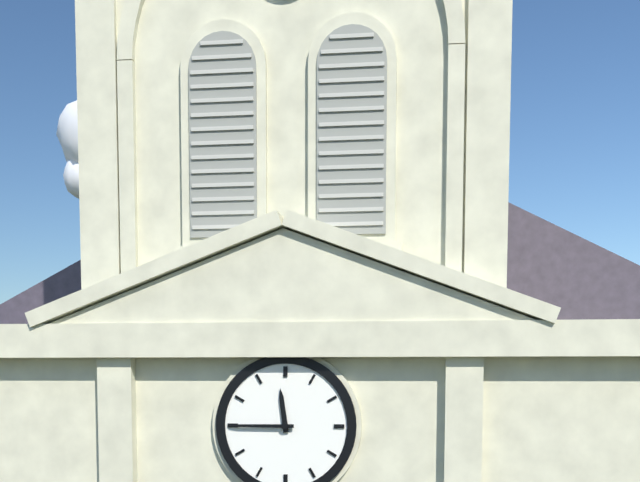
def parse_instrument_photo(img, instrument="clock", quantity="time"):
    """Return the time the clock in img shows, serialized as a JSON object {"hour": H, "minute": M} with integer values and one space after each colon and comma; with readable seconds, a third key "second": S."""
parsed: {"hour": 11, "minute": 45}
